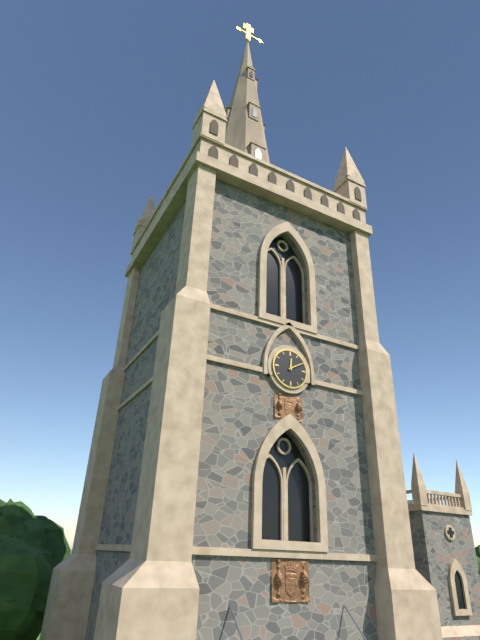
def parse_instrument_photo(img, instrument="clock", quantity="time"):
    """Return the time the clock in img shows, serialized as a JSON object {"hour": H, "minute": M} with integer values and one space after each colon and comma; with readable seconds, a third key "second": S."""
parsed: {"hour": 12, "minute": 10}
